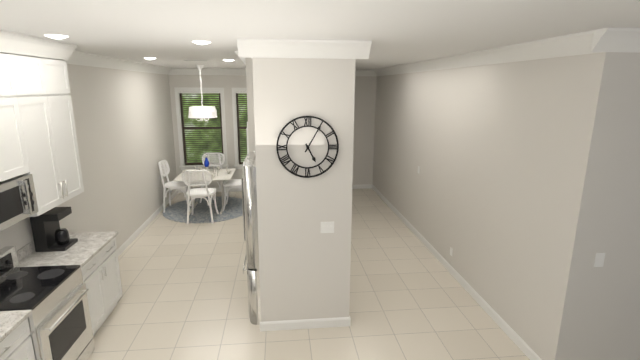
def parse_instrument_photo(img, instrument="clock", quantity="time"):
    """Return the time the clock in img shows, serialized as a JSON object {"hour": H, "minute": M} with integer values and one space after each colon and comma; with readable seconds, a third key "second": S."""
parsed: {"hour": 5, "minute": 5}
